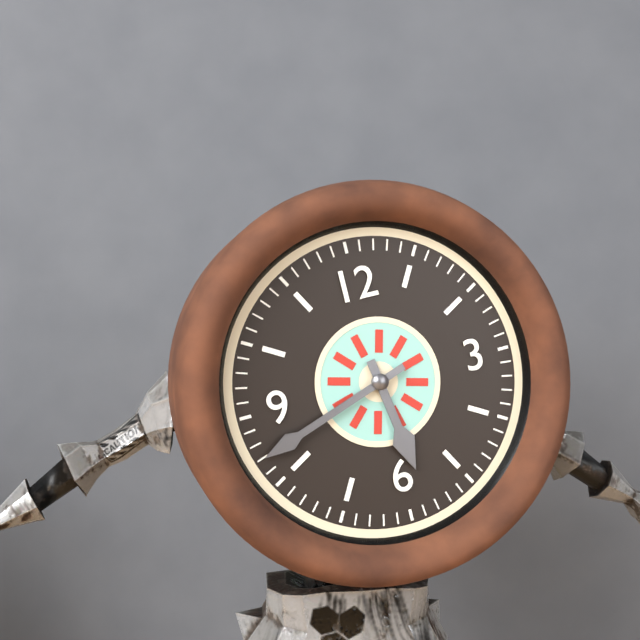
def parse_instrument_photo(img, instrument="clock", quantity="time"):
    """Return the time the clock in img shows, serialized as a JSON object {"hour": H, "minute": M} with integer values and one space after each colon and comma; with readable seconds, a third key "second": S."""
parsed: {"hour": 5, "minute": 42}
